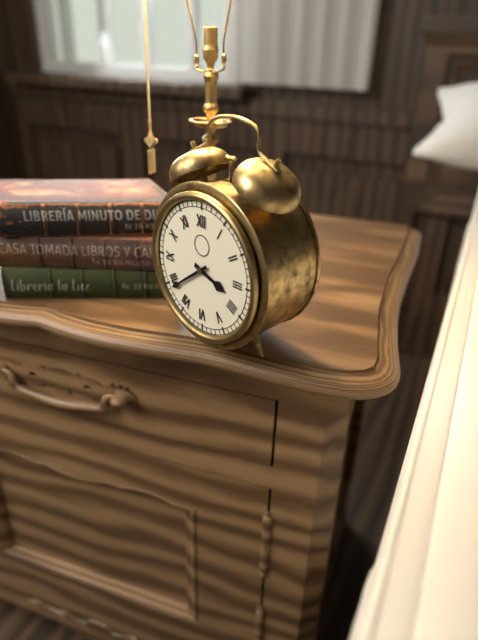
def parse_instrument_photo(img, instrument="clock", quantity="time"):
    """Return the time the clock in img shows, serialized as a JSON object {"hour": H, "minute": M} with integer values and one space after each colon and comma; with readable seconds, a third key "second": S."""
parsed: {"hour": 3, "minute": 39}
